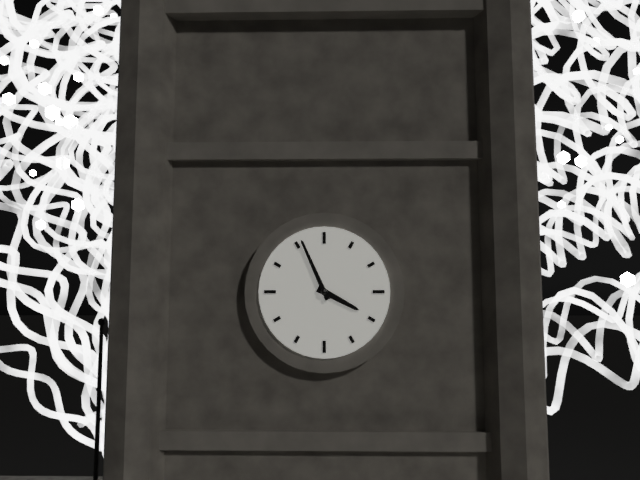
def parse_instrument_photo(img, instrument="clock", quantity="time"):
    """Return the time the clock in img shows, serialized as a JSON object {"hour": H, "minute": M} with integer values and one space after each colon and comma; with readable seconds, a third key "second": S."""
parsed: {"hour": 3, "minute": 56}
